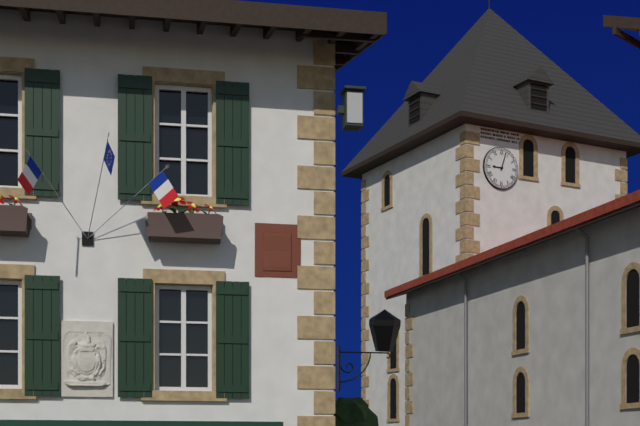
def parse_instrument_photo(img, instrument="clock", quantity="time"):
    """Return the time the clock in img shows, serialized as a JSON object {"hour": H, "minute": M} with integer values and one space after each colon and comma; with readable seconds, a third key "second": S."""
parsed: {"hour": 9, "minute": 3}
